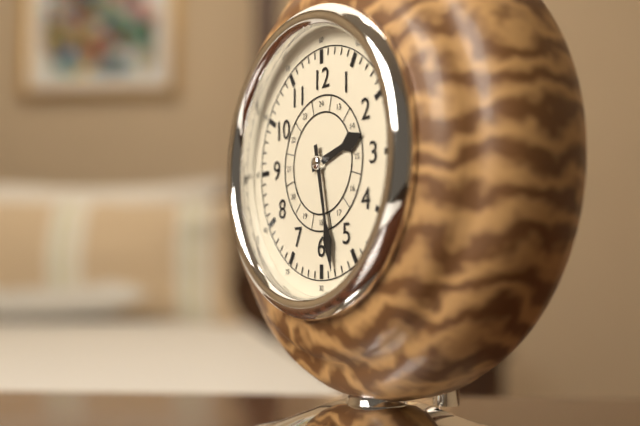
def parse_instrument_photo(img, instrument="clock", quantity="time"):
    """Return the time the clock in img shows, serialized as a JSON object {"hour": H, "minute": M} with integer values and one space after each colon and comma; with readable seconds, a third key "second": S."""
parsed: {"hour": 2, "minute": 28}
